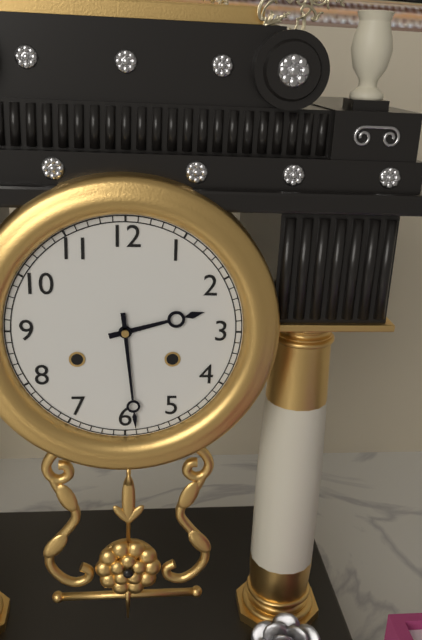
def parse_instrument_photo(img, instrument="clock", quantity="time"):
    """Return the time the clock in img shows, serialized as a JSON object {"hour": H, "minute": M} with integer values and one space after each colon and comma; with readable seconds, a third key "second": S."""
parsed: {"hour": 2, "minute": 29}
